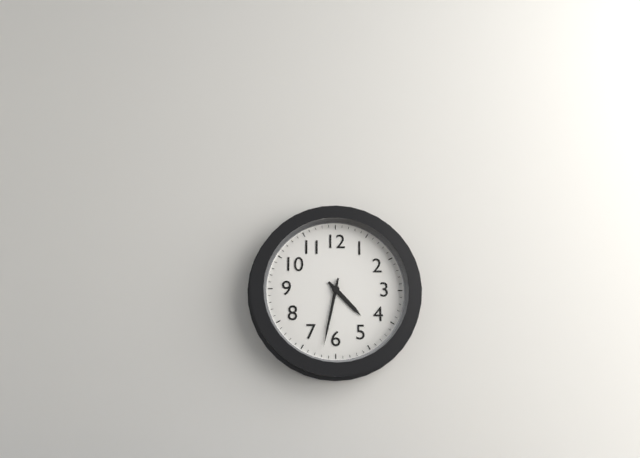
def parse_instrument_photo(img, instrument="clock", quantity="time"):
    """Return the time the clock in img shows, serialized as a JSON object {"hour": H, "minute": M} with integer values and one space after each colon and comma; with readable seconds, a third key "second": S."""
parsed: {"hour": 4, "minute": 32}
